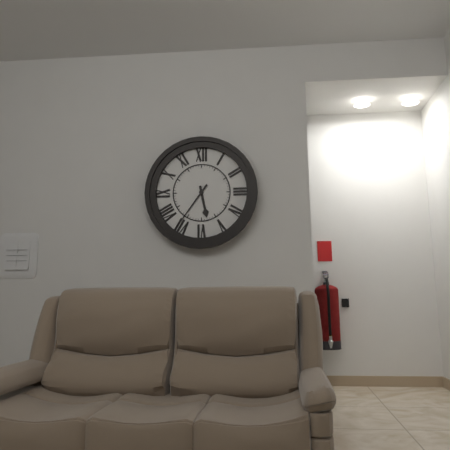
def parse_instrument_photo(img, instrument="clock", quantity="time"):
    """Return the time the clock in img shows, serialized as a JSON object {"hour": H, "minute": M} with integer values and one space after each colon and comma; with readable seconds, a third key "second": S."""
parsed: {"hour": 5, "minute": 36}
